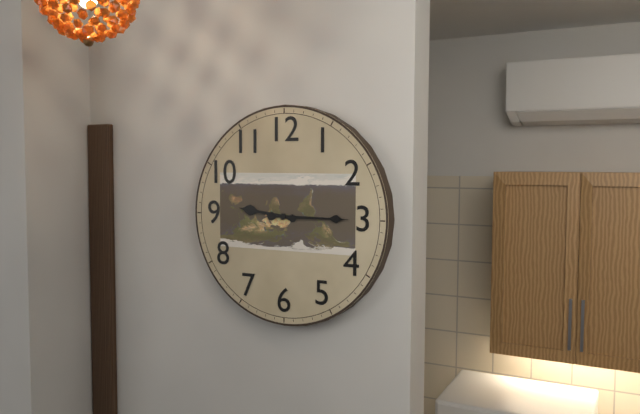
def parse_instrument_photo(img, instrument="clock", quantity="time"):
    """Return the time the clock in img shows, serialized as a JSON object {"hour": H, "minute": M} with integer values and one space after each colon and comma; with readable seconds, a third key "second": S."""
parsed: {"hour": 9, "minute": 15}
